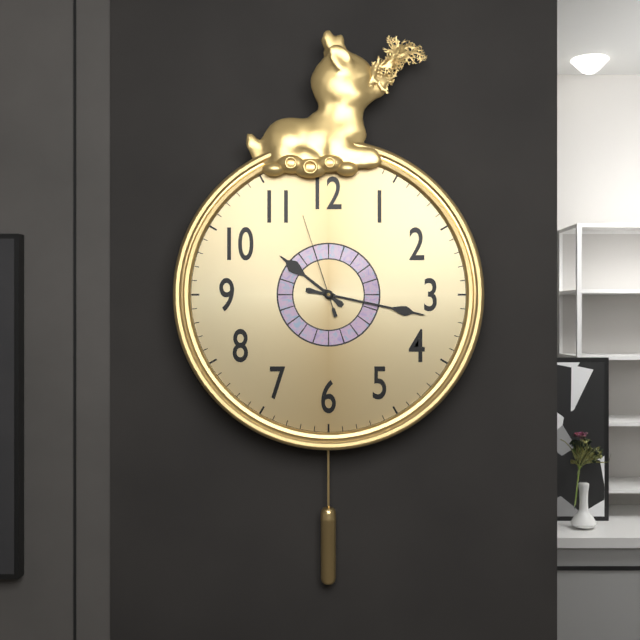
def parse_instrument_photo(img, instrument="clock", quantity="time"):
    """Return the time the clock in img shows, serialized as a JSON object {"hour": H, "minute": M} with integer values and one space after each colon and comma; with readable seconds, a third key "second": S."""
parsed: {"hour": 10, "minute": 17, "second": 57}
